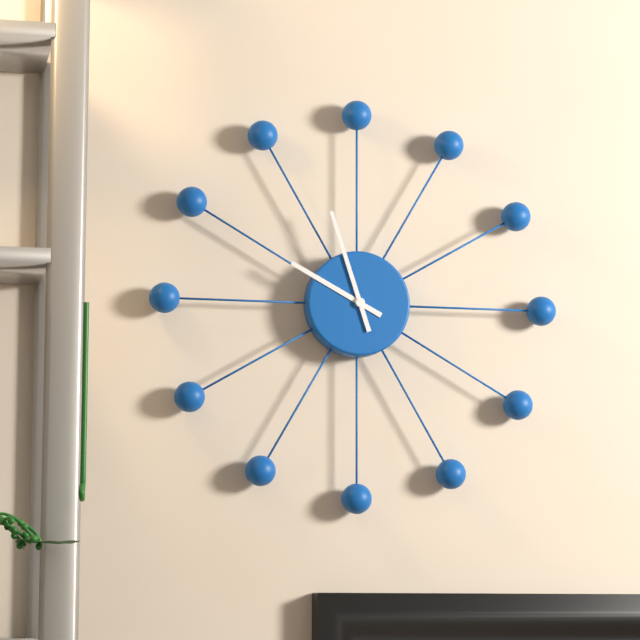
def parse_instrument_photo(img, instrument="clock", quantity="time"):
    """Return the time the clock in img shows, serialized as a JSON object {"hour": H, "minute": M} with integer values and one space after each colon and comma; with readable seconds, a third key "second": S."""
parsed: {"hour": 9, "minute": 57}
